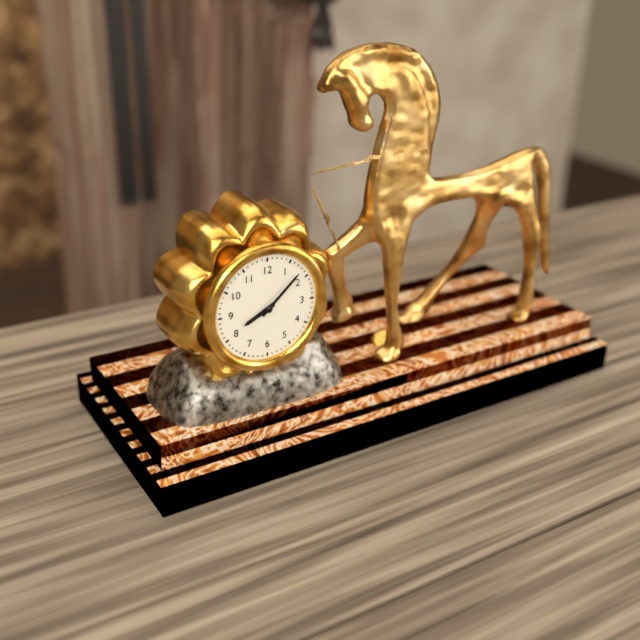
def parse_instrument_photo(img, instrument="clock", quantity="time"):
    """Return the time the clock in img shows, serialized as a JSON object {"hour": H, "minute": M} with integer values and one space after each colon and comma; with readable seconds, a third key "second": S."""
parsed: {"hour": 8, "minute": 8}
